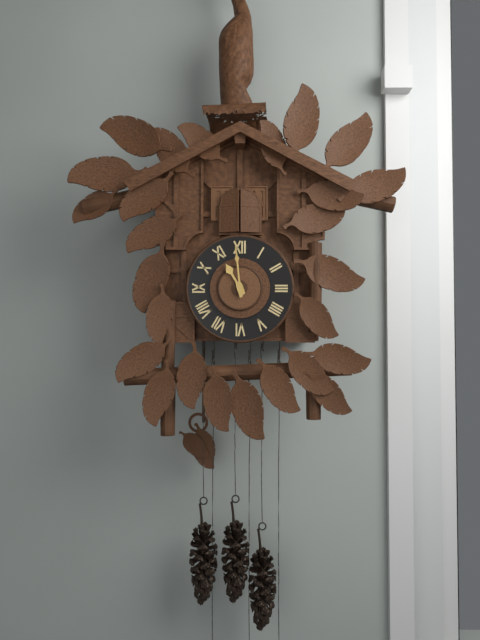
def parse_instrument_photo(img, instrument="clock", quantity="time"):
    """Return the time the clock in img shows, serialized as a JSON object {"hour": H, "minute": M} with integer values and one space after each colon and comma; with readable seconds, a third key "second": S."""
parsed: {"hour": 10, "minute": 59}
